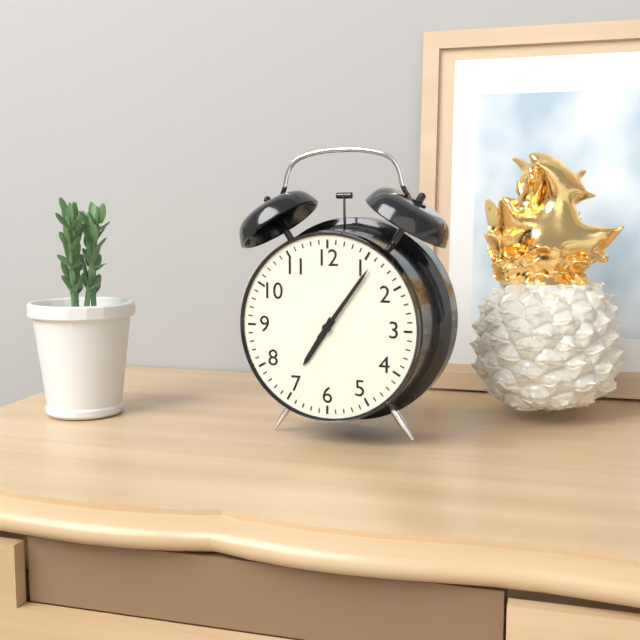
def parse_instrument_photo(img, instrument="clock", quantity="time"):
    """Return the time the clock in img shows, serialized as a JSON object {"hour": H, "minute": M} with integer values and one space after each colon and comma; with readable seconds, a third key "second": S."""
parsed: {"hour": 7, "minute": 6}
